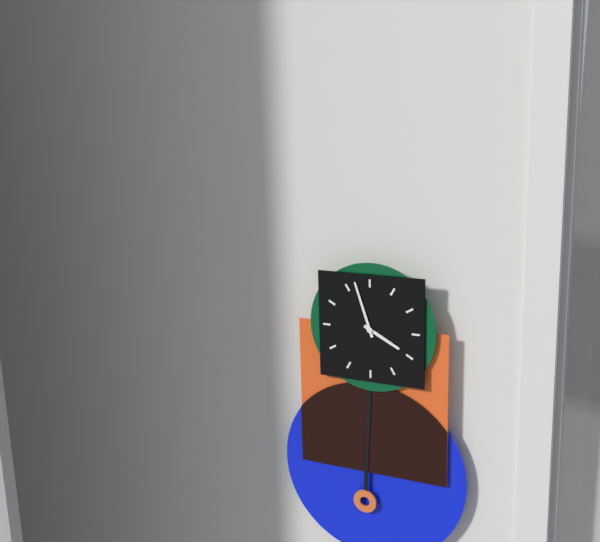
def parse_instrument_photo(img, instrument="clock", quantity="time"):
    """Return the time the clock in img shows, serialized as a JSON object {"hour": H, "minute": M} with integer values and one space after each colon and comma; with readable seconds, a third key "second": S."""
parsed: {"hour": 3, "minute": 57}
